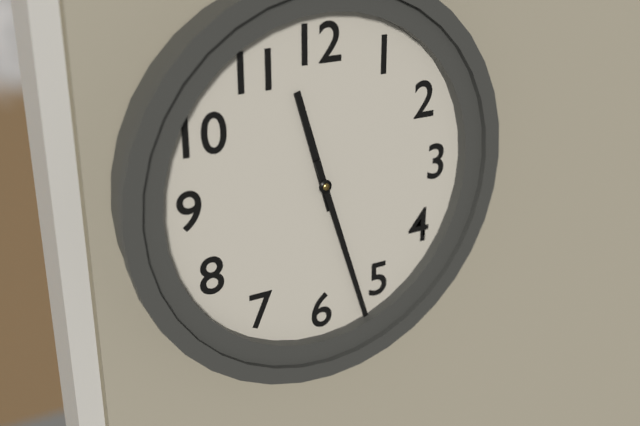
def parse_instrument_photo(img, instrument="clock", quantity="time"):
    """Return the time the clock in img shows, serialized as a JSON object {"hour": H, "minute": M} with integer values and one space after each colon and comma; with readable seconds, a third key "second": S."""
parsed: {"hour": 11, "minute": 27}
